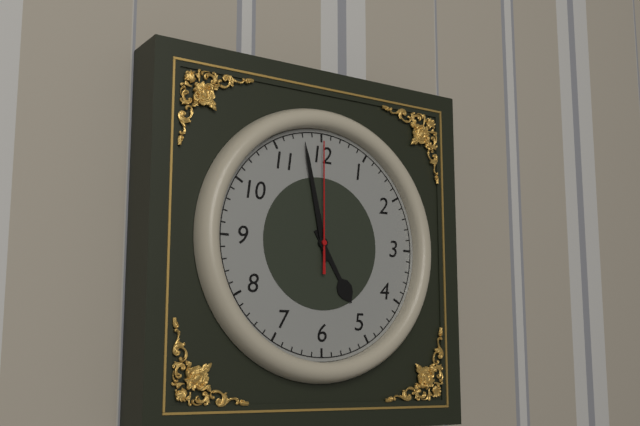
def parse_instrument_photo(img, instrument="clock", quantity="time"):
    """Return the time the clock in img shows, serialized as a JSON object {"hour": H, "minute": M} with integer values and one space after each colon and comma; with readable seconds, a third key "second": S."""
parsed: {"hour": 4, "minute": 58, "second": 0}
